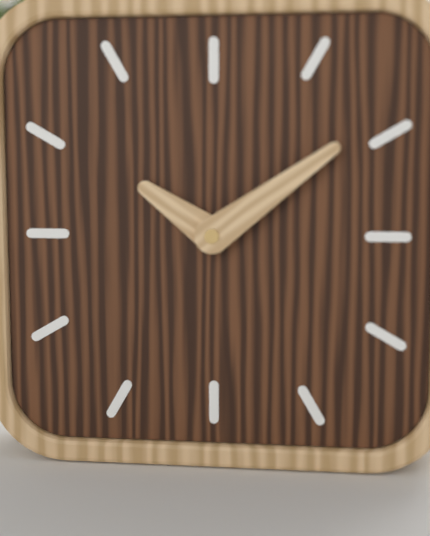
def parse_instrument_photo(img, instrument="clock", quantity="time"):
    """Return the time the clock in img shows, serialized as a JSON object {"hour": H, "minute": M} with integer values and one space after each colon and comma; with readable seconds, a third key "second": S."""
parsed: {"hour": 10, "minute": 9}
